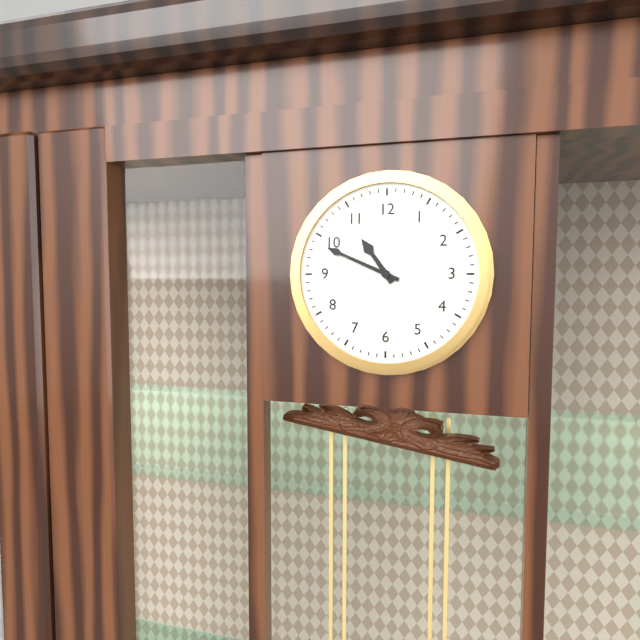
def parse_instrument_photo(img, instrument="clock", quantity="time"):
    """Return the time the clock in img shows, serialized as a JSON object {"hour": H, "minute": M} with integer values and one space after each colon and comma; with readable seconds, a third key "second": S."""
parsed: {"hour": 10, "minute": 49}
